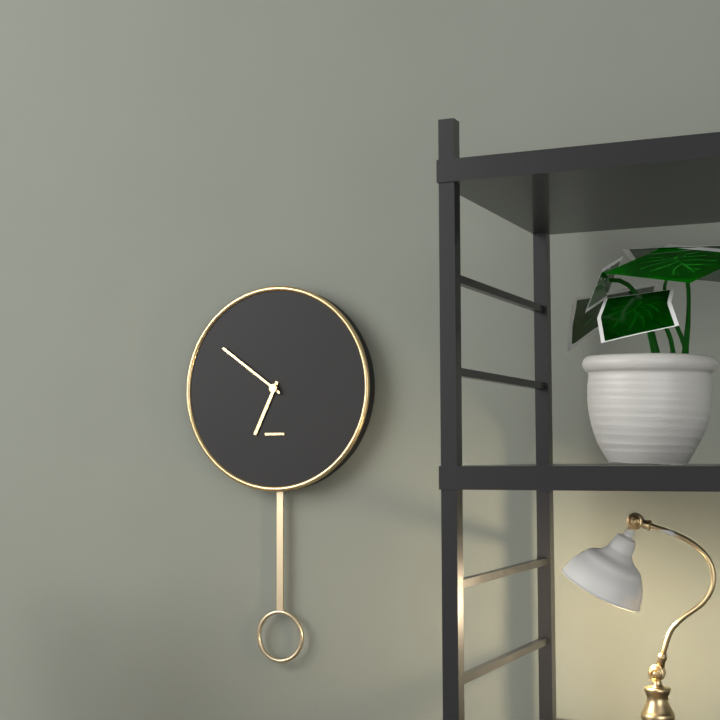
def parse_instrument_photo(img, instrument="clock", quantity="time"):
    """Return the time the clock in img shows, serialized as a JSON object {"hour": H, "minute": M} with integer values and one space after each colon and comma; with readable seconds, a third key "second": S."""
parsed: {"hour": 6, "minute": 51}
